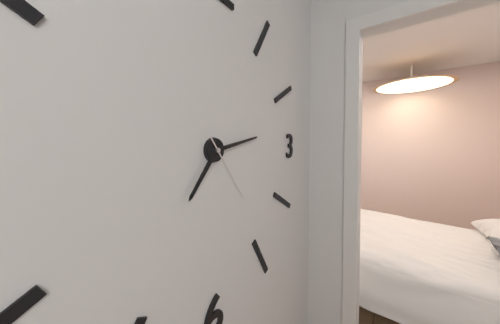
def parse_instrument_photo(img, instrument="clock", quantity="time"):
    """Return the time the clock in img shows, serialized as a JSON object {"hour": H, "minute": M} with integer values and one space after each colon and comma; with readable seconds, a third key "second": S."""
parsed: {"hour": 7, "minute": 13, "second": 24}
